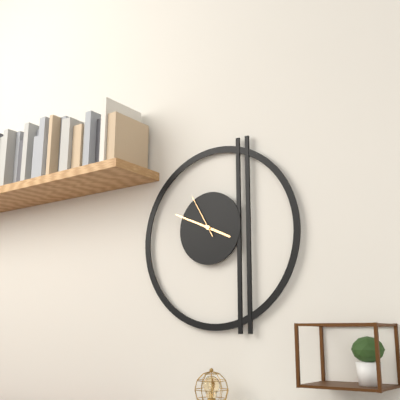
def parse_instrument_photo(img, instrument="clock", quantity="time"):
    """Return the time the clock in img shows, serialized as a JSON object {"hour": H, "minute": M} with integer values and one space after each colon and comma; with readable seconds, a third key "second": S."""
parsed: {"hour": 3, "minute": 49}
